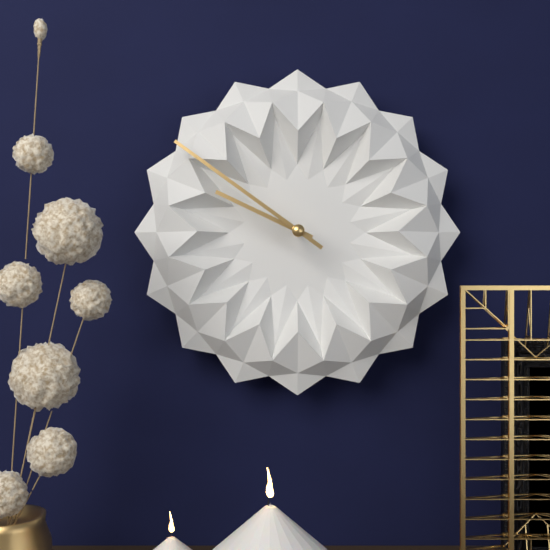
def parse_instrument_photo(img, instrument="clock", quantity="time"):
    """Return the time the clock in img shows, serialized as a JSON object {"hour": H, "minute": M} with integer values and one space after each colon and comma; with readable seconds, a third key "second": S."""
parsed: {"hour": 9, "minute": 51}
